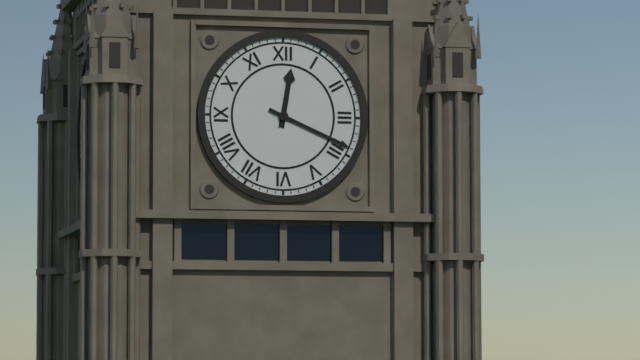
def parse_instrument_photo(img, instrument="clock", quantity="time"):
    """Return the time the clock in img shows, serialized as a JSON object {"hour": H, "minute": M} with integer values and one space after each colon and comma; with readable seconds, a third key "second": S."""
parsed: {"hour": 12, "minute": 19}
